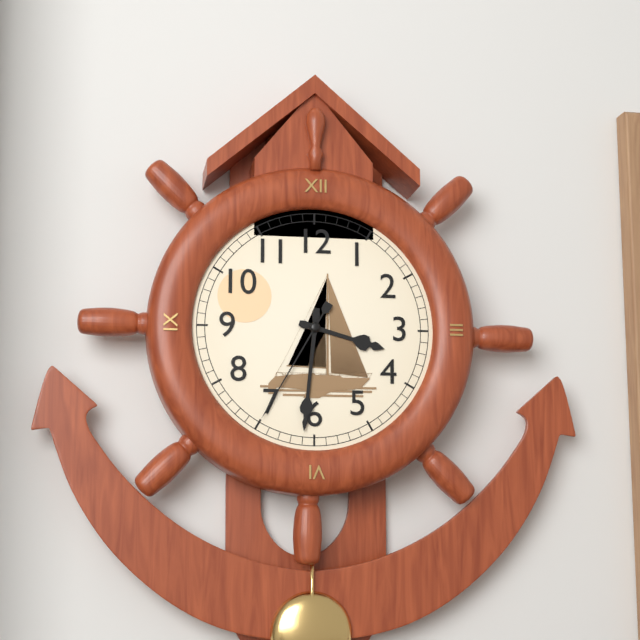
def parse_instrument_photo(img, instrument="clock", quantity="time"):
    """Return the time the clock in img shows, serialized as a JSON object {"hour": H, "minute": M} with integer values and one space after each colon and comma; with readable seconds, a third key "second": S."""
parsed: {"hour": 3, "minute": 31, "second": 35}
